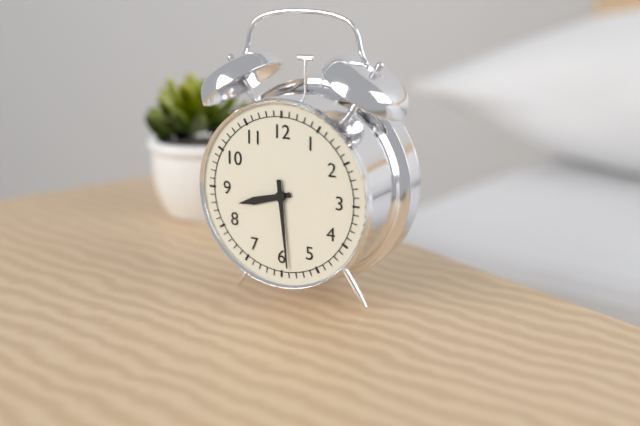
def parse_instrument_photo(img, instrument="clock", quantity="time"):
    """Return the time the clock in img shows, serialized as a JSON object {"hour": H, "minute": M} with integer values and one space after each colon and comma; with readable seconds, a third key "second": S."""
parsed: {"hour": 8, "minute": 29}
